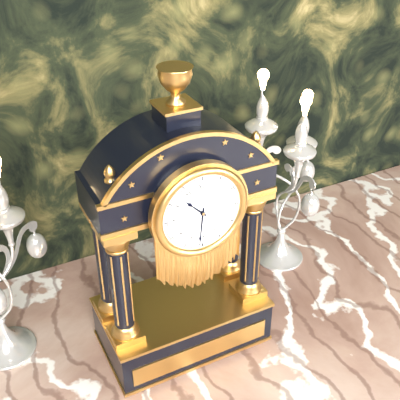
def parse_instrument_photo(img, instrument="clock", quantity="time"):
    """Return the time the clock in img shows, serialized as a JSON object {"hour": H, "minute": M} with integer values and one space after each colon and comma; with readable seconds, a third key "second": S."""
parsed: {"hour": 10, "minute": 31}
